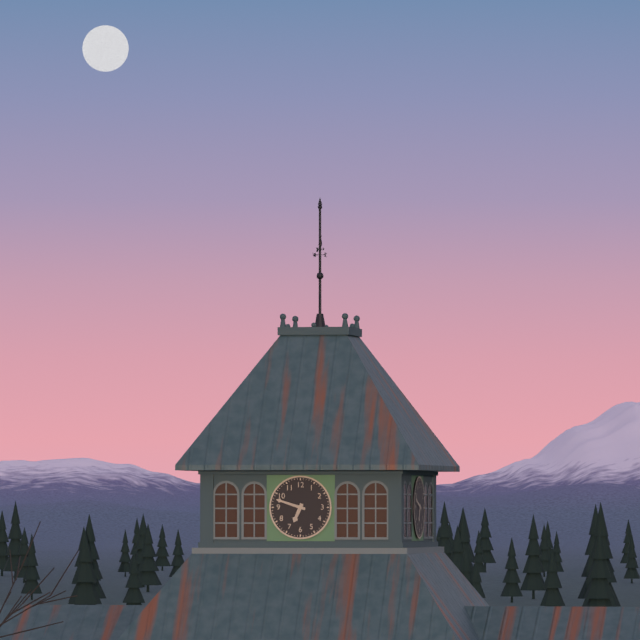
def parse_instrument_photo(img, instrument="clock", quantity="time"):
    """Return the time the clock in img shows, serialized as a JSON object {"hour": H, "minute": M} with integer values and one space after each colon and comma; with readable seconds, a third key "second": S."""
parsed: {"hour": 6, "minute": 48}
